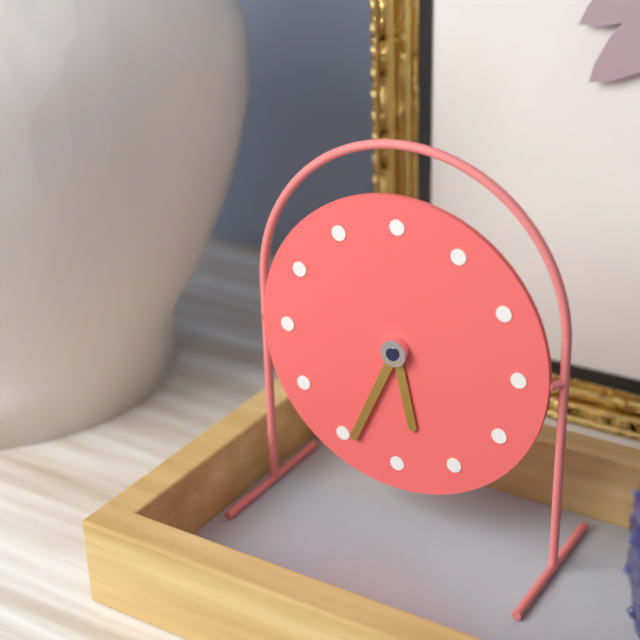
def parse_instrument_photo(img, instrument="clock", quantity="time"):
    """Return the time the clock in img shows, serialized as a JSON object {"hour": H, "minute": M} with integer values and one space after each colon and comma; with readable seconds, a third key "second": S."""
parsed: {"hour": 5, "minute": 34}
